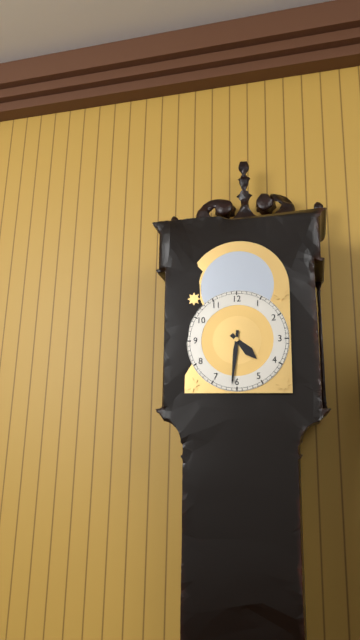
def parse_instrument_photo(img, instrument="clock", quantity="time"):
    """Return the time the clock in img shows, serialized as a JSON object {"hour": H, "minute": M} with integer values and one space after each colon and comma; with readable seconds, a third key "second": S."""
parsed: {"hour": 4, "minute": 31}
